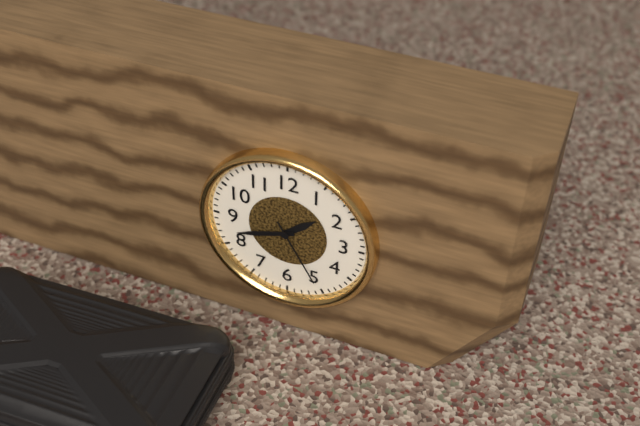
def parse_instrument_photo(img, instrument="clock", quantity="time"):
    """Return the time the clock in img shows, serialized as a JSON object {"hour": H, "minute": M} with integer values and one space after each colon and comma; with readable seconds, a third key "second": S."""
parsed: {"hour": 1, "minute": 42, "second": 25}
